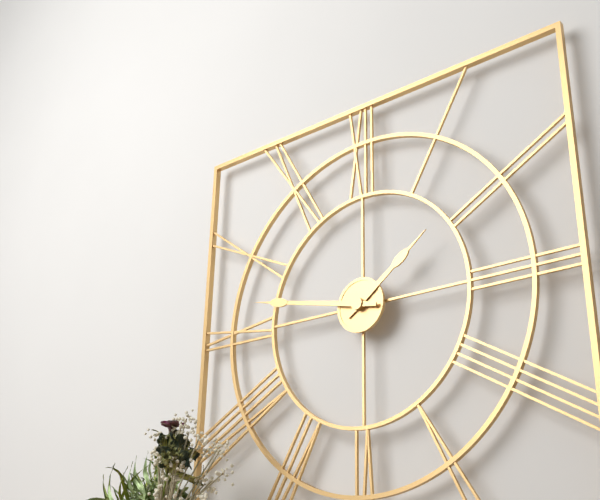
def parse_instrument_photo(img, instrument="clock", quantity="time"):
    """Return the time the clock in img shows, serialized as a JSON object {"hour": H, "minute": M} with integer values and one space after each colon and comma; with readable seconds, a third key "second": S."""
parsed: {"hour": 1, "minute": 47}
